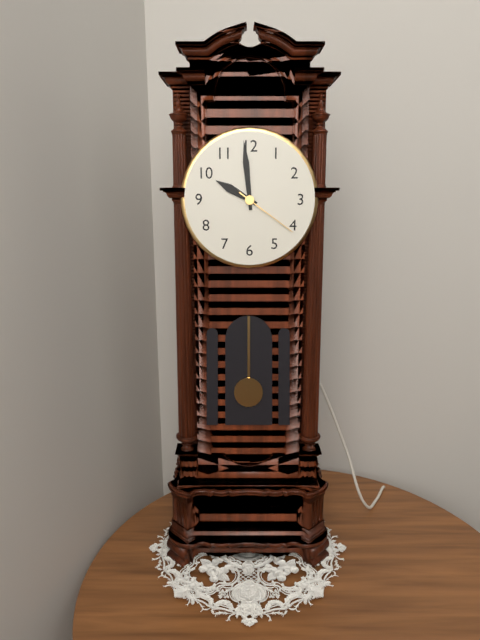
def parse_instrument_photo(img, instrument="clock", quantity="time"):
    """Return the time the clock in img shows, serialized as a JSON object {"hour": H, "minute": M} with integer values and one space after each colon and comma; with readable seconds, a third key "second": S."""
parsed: {"hour": 9, "minute": 59, "second": 21}
